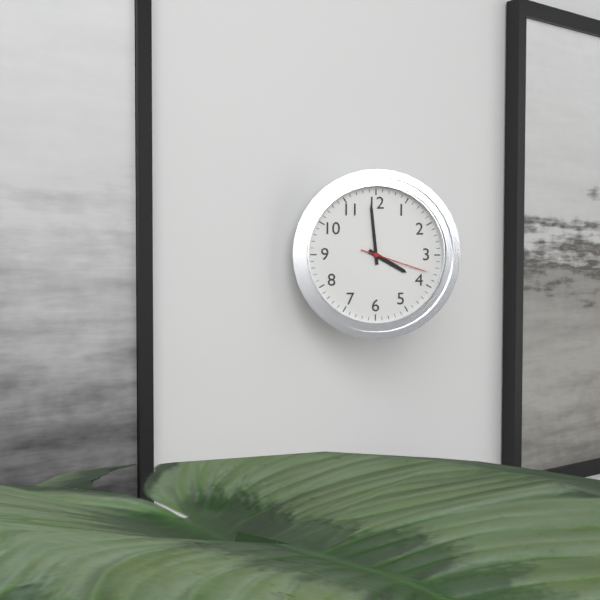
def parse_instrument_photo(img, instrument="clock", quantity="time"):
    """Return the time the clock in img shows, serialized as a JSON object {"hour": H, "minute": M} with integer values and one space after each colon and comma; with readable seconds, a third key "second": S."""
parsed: {"hour": 3, "minute": 59, "second": 18}
